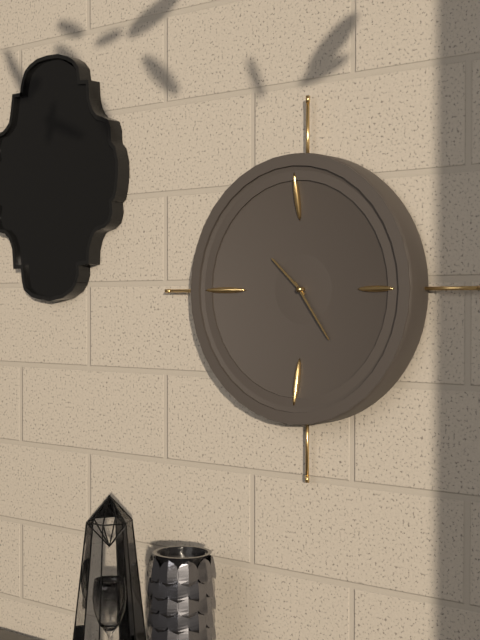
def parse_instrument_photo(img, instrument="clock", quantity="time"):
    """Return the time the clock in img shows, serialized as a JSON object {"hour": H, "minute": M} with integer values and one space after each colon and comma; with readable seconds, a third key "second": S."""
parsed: {"hour": 10, "minute": 24}
